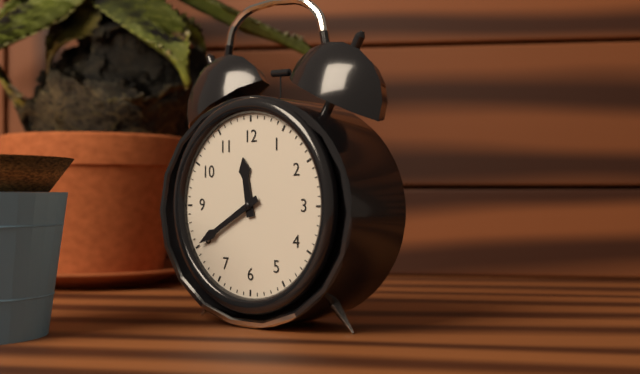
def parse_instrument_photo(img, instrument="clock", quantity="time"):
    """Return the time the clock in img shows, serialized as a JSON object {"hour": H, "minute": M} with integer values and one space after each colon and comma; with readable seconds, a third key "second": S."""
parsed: {"hour": 11, "minute": 40}
